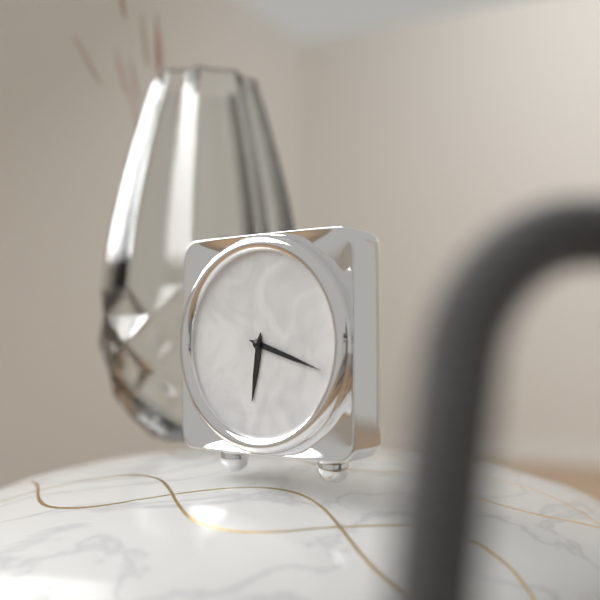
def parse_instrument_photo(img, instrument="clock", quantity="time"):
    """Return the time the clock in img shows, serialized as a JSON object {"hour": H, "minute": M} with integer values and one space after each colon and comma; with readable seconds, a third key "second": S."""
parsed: {"hour": 6, "minute": 18}
